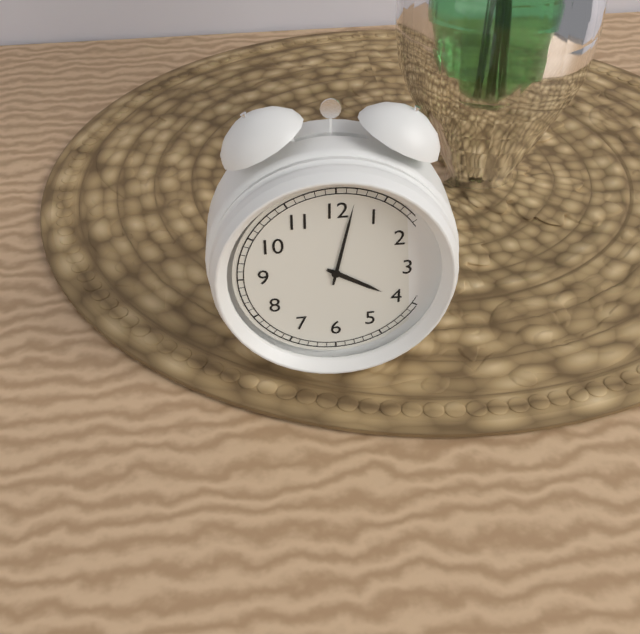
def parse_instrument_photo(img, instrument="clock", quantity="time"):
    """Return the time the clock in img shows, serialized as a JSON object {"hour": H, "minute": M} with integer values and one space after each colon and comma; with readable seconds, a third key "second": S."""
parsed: {"hour": 4, "minute": 2}
